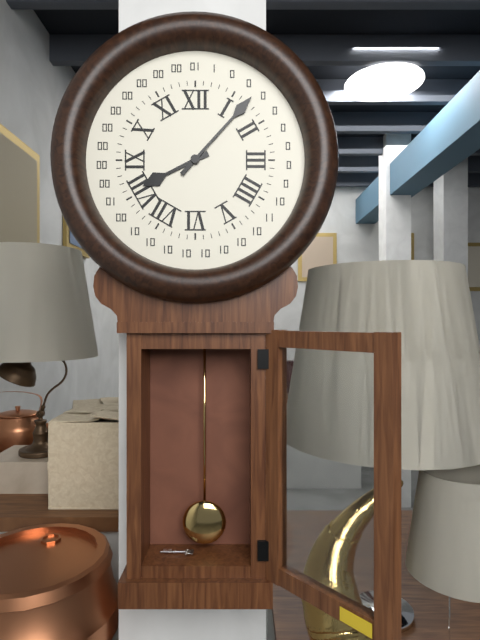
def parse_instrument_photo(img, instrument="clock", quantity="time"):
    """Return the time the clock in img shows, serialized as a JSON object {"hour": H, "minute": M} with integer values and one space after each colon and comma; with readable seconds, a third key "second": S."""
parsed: {"hour": 8, "minute": 7}
